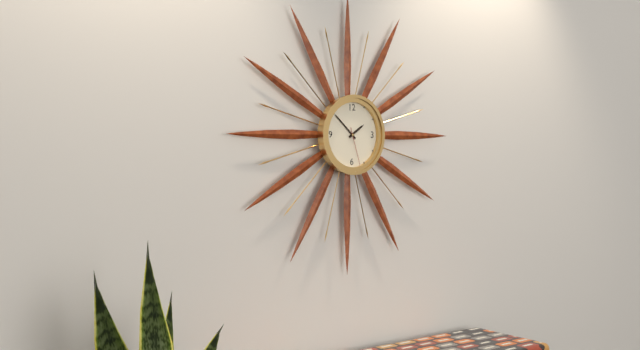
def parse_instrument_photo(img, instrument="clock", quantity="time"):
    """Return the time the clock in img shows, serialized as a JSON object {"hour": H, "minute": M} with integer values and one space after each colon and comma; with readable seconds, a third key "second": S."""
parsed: {"hour": 1, "minute": 52}
